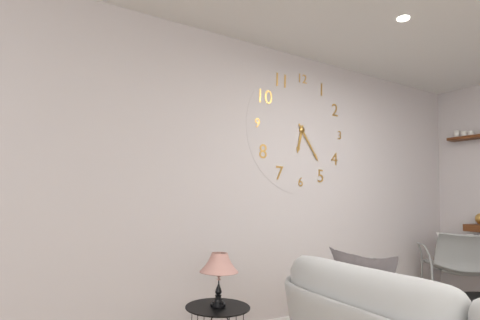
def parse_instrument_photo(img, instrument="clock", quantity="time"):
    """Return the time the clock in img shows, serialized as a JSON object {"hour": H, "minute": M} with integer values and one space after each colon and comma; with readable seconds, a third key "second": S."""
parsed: {"hour": 6, "minute": 24}
